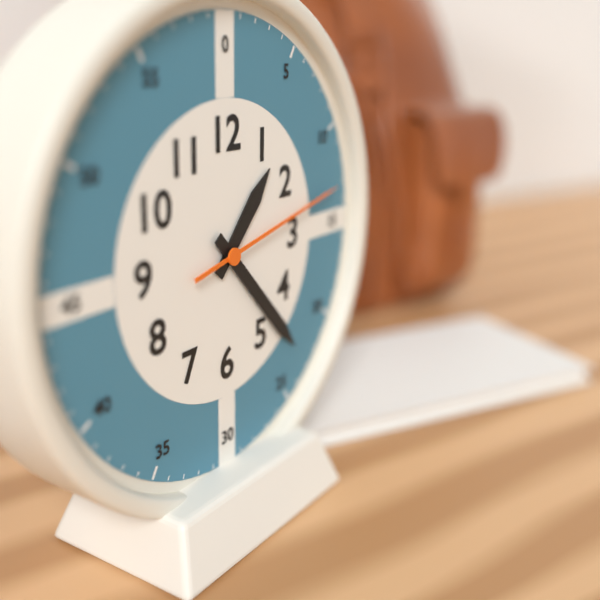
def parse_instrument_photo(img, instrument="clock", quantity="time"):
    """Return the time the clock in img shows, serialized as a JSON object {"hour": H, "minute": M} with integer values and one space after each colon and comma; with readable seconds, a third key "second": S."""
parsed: {"hour": 1, "minute": 23, "second": 13}
